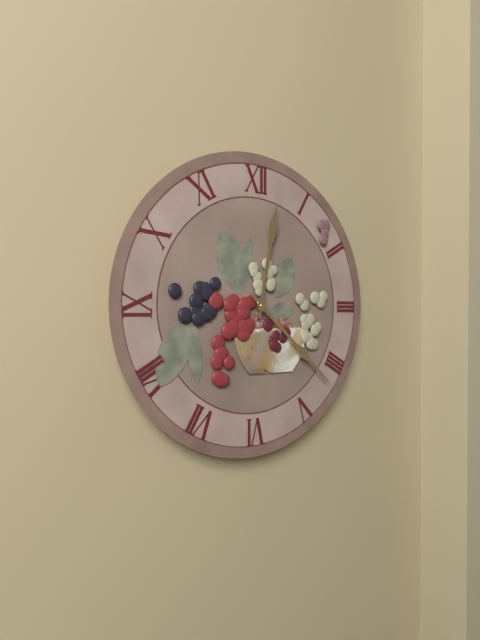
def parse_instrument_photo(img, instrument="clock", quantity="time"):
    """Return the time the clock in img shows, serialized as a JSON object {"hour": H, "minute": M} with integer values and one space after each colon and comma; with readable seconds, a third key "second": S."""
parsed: {"hour": 12, "minute": 22}
